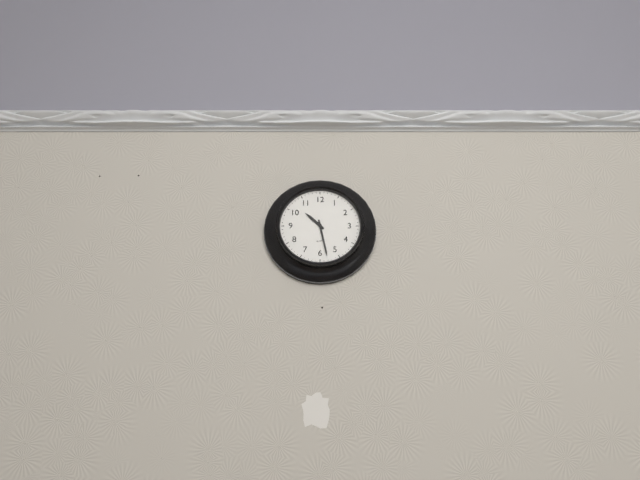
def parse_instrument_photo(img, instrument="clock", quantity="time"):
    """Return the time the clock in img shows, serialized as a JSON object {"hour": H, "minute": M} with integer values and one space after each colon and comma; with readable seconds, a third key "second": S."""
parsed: {"hour": 10, "minute": 28}
